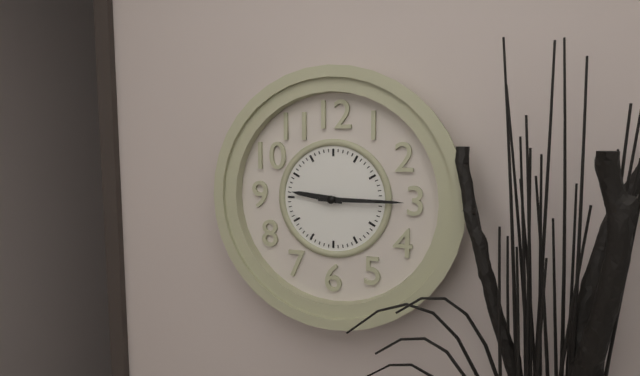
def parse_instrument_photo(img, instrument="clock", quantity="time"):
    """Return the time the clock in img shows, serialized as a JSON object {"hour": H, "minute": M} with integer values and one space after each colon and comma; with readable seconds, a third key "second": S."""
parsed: {"hour": 9, "minute": 15}
